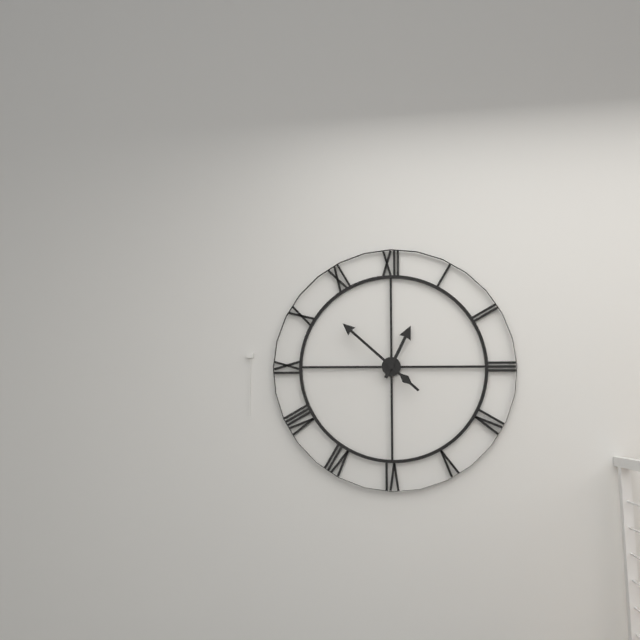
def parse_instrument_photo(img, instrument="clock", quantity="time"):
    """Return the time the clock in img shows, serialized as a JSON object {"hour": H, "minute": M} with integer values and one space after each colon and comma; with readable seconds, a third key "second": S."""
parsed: {"hour": 12, "minute": 52}
